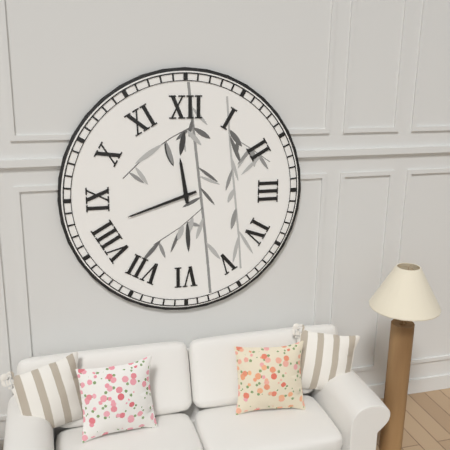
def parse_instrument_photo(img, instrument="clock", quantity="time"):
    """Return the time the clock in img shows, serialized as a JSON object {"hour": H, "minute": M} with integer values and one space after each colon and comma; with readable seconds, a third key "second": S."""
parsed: {"hour": 11, "minute": 42}
